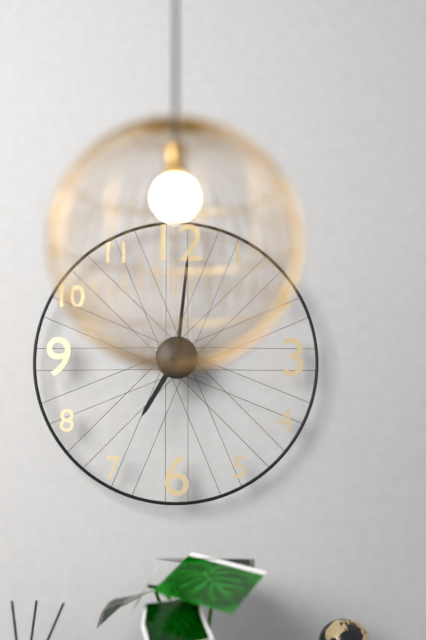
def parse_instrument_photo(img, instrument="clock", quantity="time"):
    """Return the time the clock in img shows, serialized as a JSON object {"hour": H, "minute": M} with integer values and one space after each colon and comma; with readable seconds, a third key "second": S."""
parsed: {"hour": 7, "minute": 1}
